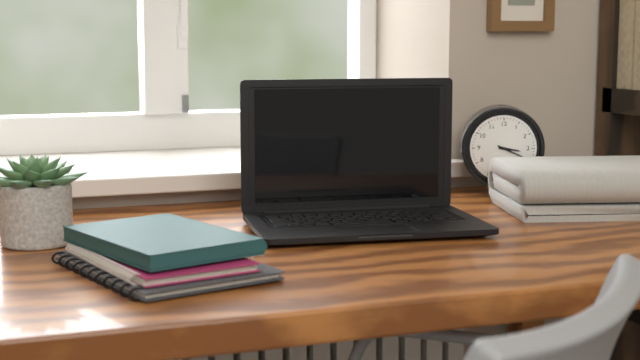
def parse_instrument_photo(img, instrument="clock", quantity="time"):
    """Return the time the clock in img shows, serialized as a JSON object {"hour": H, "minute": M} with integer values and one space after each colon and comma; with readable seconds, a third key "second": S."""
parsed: {"hour": 3, "minute": 19}
